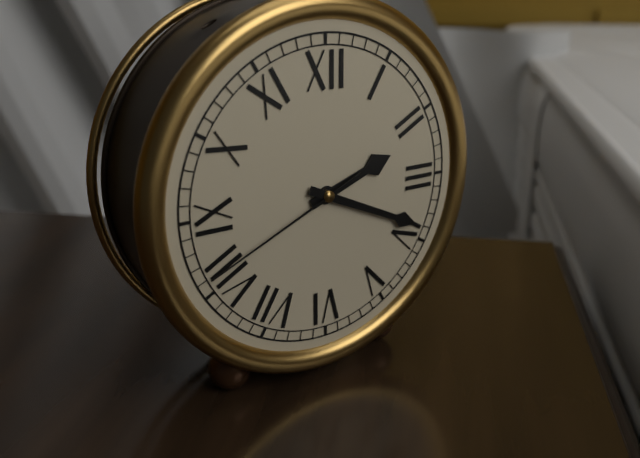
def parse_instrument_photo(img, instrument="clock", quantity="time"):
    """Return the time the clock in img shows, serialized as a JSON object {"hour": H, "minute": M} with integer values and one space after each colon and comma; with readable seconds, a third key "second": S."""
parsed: {"hour": 2, "minute": 19, "second": 41}
